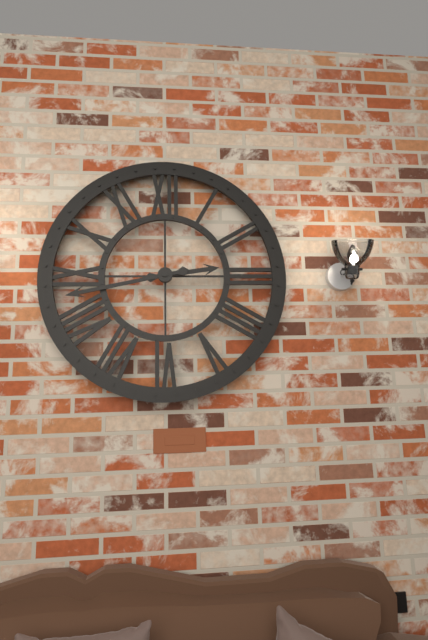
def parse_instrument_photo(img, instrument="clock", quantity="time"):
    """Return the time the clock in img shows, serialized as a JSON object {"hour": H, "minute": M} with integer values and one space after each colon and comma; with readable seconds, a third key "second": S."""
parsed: {"hour": 2, "minute": 43}
